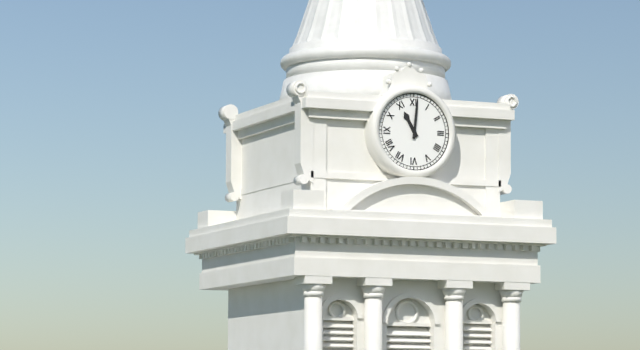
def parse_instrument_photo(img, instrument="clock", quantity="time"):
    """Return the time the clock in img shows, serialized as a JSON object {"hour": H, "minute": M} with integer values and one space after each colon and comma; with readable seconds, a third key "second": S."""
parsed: {"hour": 11, "minute": 1}
